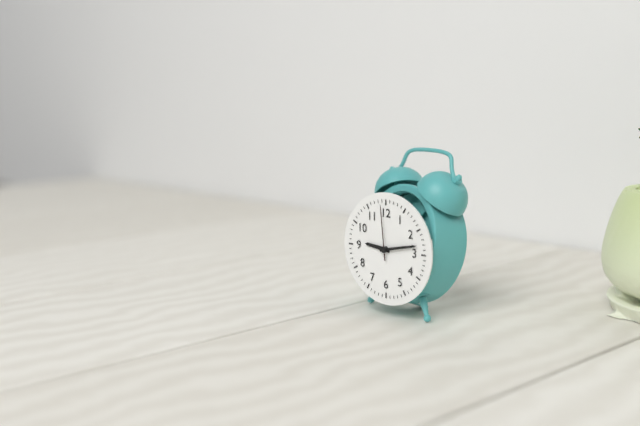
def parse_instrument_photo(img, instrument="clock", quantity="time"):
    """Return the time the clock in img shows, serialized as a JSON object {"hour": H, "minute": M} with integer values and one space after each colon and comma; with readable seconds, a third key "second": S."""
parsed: {"hour": 9, "minute": 13, "second": 59}
